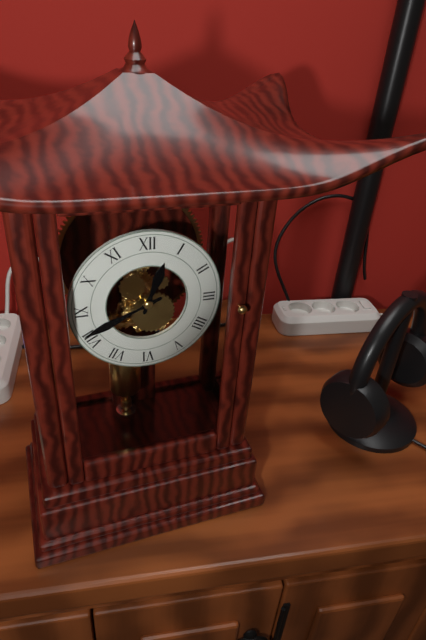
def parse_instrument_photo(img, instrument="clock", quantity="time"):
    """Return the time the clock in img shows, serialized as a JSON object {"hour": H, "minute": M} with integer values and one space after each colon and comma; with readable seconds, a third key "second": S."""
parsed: {"hour": 12, "minute": 41}
